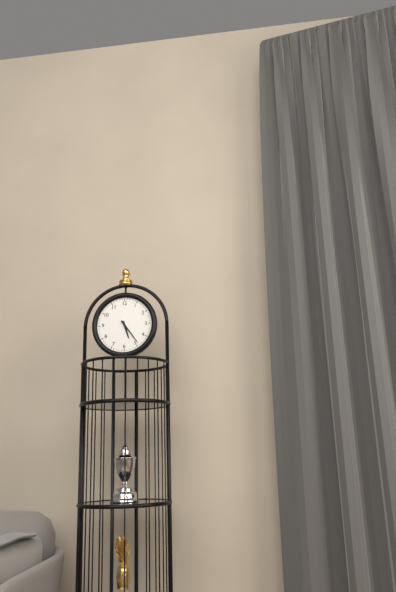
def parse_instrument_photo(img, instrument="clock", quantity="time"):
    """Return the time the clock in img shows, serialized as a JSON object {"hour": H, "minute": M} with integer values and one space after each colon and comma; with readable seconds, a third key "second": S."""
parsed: {"hour": 5, "minute": 24}
